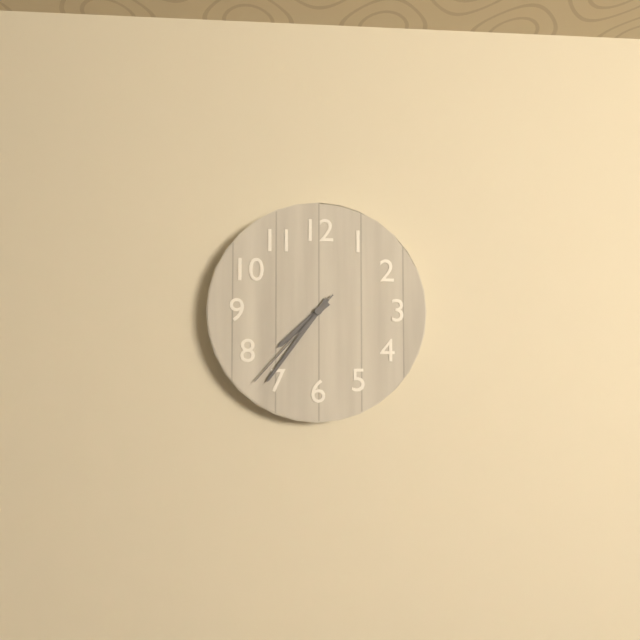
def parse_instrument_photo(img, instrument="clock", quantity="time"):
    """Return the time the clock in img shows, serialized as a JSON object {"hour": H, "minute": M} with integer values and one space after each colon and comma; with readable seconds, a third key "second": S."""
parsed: {"hour": 7, "minute": 36, "second": 37}
